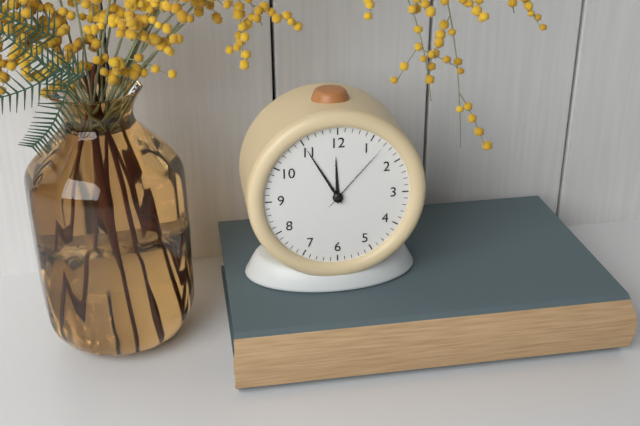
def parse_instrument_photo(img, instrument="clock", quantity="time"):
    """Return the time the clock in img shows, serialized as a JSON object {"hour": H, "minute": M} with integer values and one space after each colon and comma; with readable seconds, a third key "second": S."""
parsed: {"hour": 11, "minute": 55, "second": 7}
